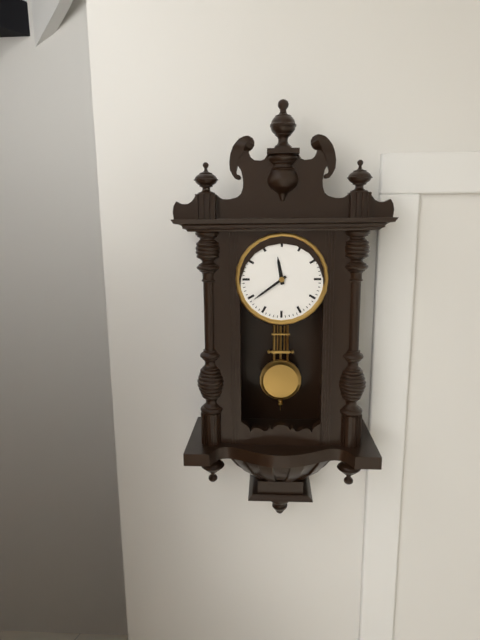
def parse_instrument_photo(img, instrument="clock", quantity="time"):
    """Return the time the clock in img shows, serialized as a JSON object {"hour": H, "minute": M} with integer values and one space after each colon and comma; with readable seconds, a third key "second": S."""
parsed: {"hour": 11, "minute": 39}
